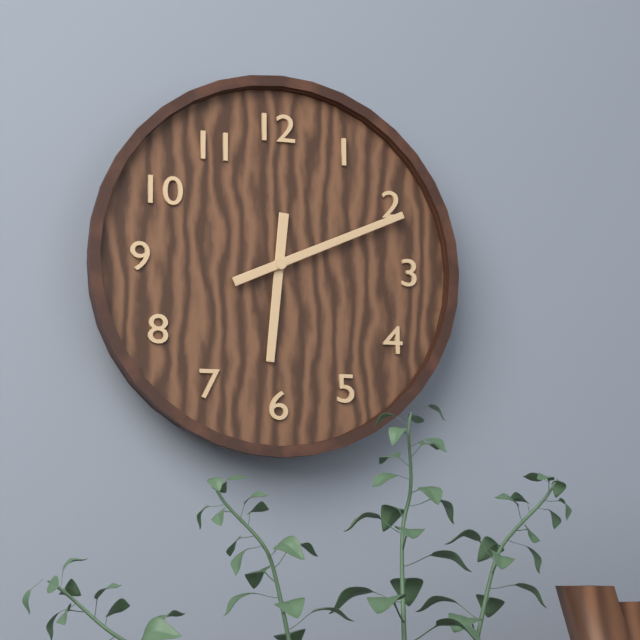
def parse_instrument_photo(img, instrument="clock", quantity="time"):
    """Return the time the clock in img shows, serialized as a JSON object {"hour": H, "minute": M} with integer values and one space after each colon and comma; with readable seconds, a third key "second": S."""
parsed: {"hour": 6, "minute": 11}
